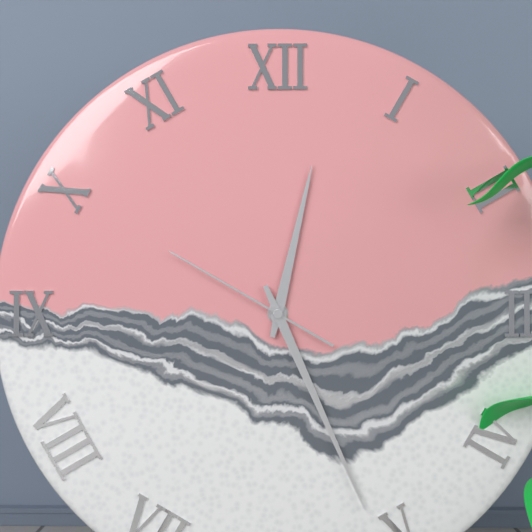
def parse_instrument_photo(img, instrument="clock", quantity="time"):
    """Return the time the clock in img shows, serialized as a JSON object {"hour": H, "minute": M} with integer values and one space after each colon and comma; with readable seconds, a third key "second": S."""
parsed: {"hour": 12, "minute": 26, "second": 50}
